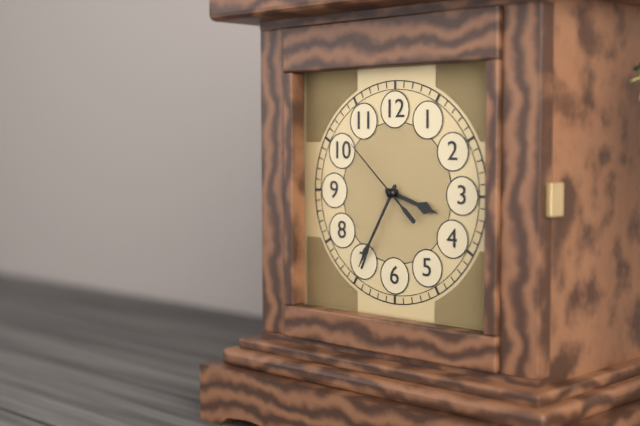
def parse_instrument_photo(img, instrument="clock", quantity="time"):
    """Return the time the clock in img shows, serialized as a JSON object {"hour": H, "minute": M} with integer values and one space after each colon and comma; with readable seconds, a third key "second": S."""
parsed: {"hour": 3, "minute": 35, "second": 52}
